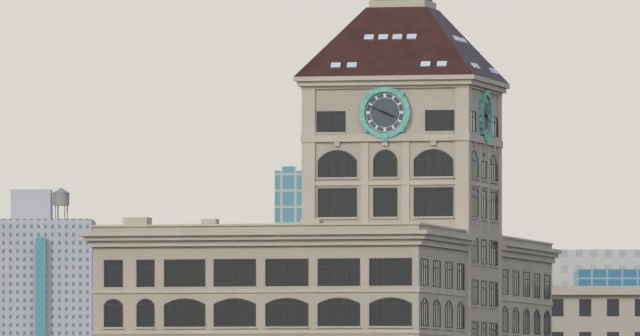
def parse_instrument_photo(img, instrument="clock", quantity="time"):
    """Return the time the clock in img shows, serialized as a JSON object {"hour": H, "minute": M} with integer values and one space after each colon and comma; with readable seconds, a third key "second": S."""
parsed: {"hour": 3, "minute": 49}
